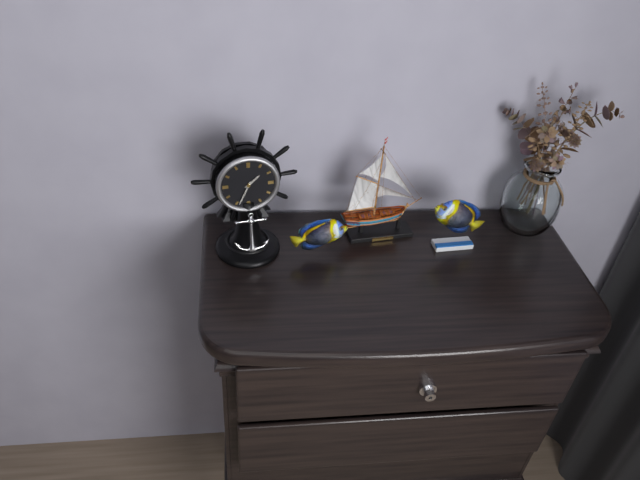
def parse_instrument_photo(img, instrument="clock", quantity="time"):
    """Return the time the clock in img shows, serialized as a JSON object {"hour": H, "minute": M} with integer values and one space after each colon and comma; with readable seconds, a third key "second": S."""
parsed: {"hour": 1, "minute": 34}
